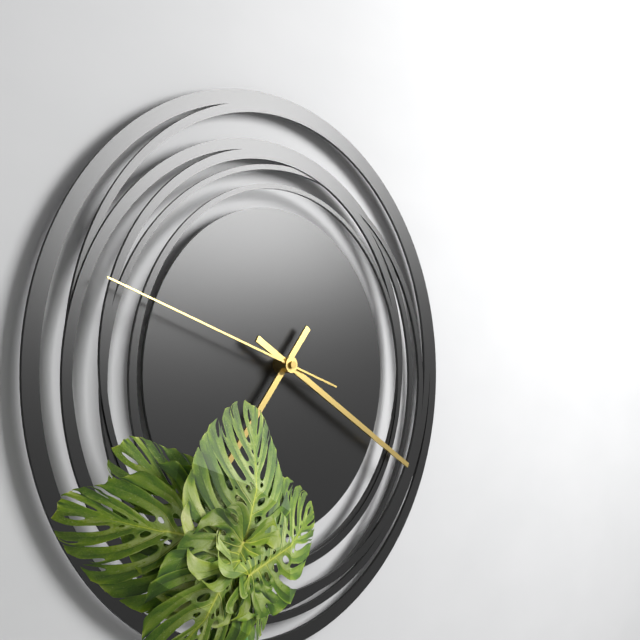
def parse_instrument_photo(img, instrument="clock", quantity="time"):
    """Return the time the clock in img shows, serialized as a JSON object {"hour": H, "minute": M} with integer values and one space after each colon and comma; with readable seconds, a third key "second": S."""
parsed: {"hour": 7, "minute": 20, "second": 48}
